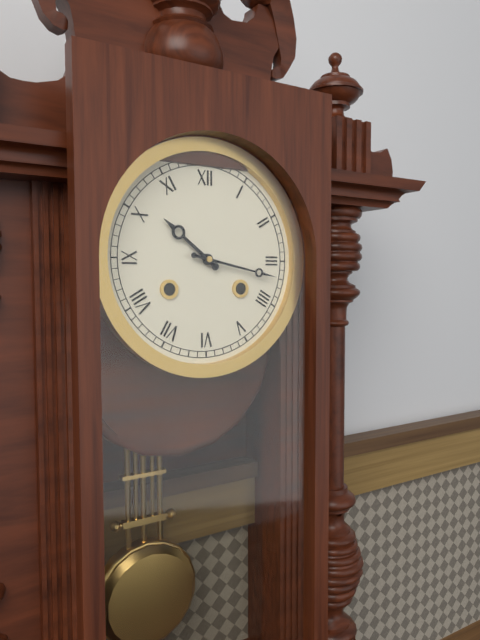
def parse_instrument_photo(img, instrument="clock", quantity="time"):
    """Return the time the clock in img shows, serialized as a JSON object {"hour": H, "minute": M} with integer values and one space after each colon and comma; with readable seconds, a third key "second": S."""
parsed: {"hour": 10, "minute": 17}
